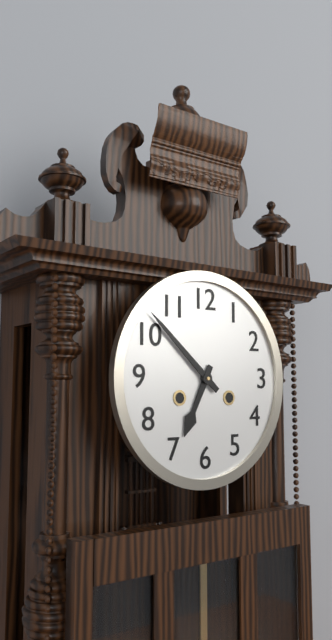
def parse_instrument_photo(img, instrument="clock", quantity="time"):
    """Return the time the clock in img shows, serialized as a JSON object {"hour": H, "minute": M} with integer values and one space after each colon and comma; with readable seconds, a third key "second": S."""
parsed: {"hour": 6, "minute": 52}
